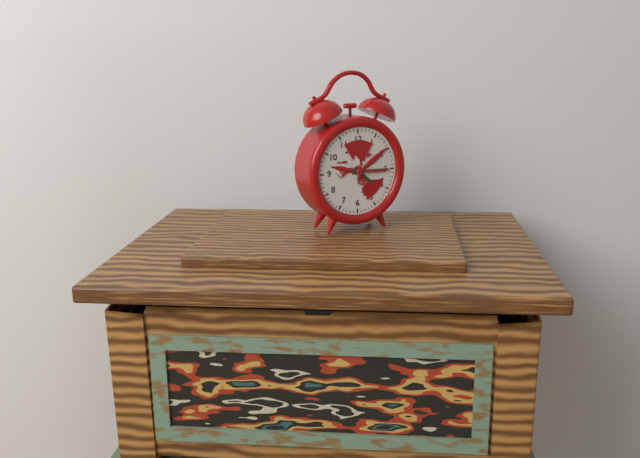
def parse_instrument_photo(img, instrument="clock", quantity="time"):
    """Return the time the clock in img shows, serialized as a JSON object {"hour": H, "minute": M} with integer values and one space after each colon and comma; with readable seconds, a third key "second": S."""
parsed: {"hour": 4, "minute": 15}
